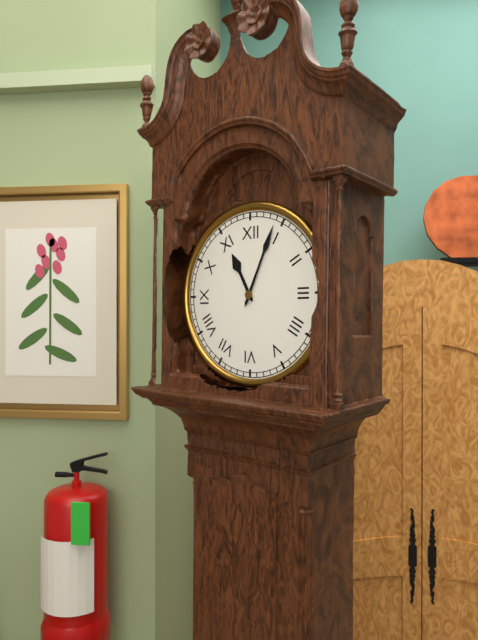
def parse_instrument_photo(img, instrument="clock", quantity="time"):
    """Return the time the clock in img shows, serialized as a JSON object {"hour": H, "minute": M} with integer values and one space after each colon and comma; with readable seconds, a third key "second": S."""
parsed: {"hour": 11, "minute": 4}
